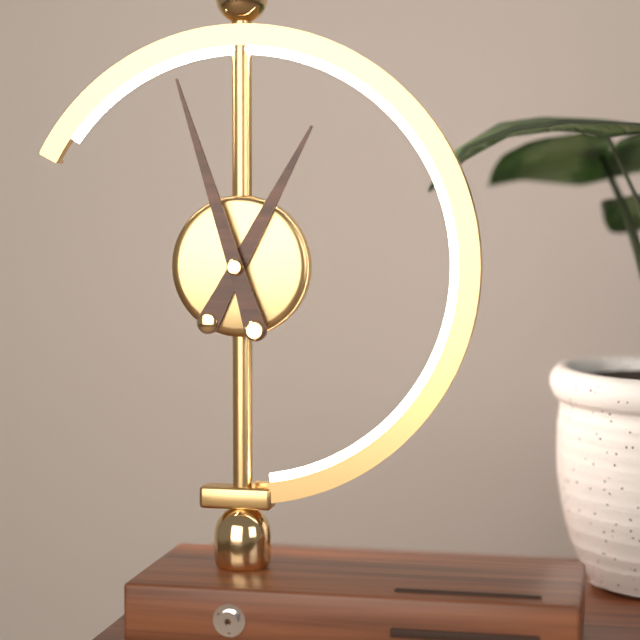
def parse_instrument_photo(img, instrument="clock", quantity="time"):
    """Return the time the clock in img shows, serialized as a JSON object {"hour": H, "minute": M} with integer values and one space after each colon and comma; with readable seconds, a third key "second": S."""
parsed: {"hour": 12, "minute": 57}
